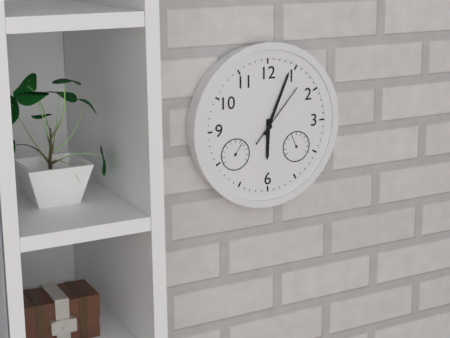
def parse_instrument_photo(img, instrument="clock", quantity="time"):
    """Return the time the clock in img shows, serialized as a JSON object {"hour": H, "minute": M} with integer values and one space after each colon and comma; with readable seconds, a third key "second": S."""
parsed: {"hour": 6, "minute": 4, "second": 7}
